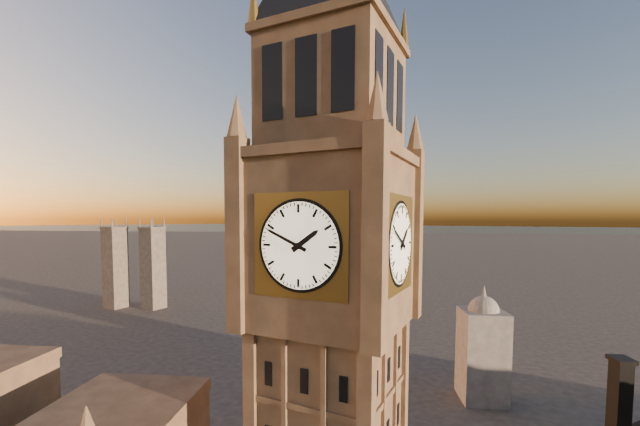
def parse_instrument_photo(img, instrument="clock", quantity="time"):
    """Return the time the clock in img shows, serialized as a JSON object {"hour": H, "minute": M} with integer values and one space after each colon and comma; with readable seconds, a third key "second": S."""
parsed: {"hour": 1, "minute": 49}
